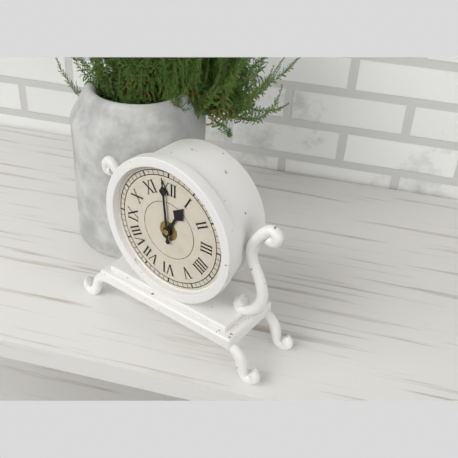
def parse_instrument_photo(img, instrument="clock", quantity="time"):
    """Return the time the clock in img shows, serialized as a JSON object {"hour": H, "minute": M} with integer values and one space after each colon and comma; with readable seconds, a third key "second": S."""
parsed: {"hour": 12, "minute": 59}
